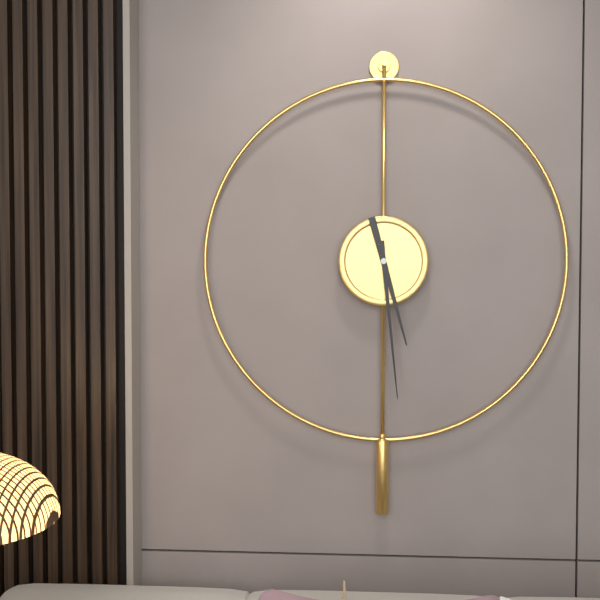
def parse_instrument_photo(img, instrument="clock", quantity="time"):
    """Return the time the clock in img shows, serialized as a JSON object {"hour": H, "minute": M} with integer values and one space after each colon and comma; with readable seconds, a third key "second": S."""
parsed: {"hour": 5, "minute": 29}
